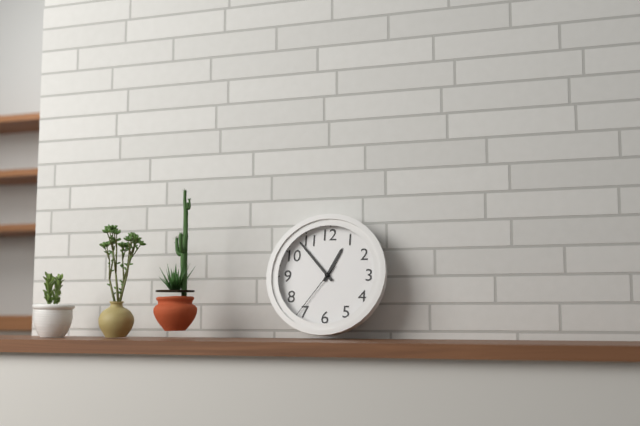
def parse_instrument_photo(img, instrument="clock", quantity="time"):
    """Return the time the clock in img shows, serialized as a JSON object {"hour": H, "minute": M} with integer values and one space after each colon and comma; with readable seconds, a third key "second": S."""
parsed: {"hour": 12, "minute": 53, "second": 36}
